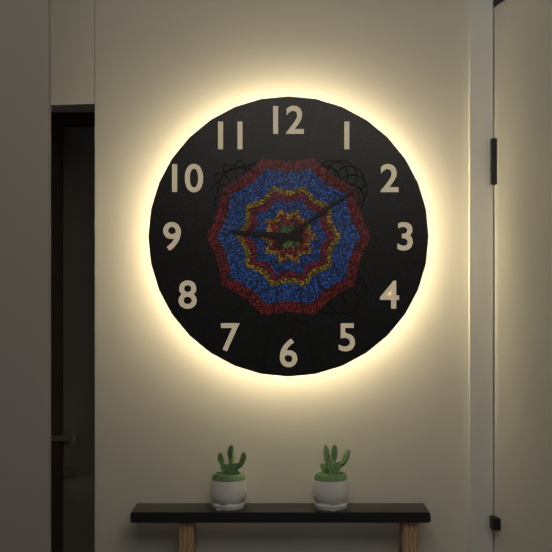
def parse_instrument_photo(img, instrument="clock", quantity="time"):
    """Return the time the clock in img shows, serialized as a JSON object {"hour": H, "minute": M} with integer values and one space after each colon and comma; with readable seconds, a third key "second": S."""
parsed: {"hour": 9, "minute": 9}
